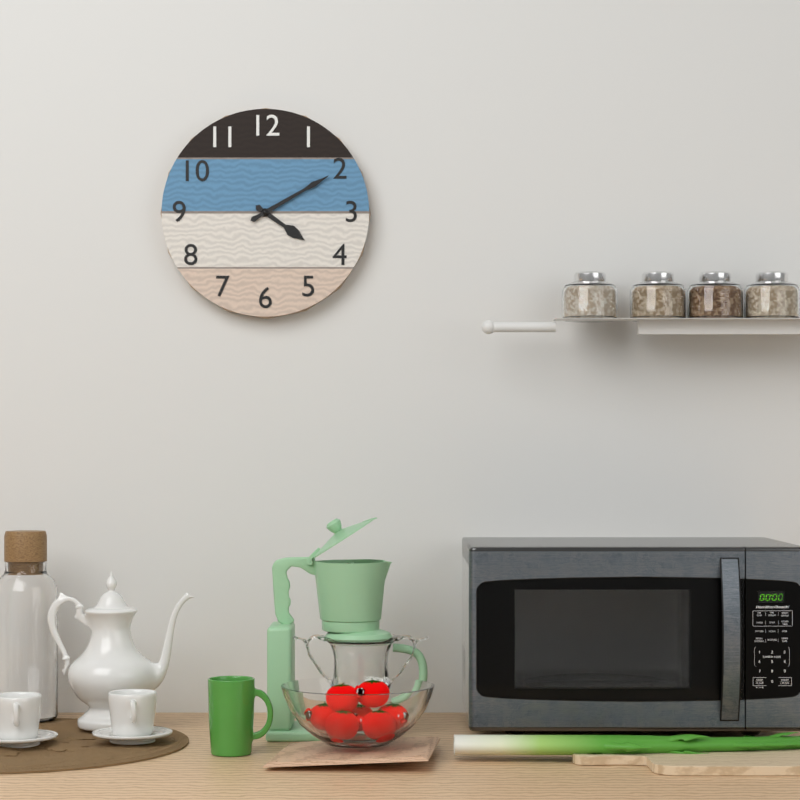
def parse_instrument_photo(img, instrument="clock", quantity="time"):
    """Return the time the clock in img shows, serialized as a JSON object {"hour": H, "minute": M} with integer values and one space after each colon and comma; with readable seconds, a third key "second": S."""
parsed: {"hour": 4, "minute": 10}
